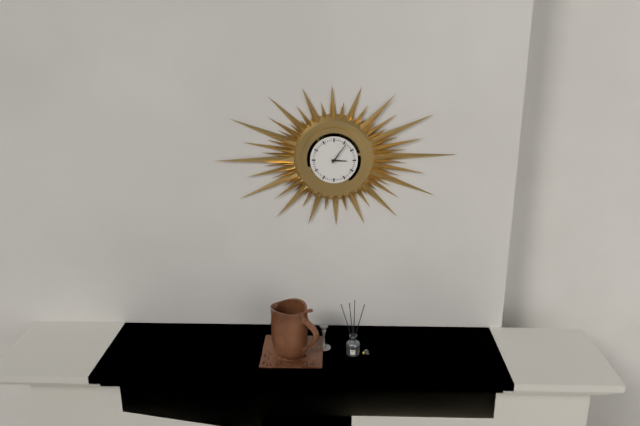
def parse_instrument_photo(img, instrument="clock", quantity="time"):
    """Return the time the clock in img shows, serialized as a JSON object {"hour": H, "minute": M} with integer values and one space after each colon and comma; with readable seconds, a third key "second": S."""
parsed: {"hour": 3, "minute": 6}
